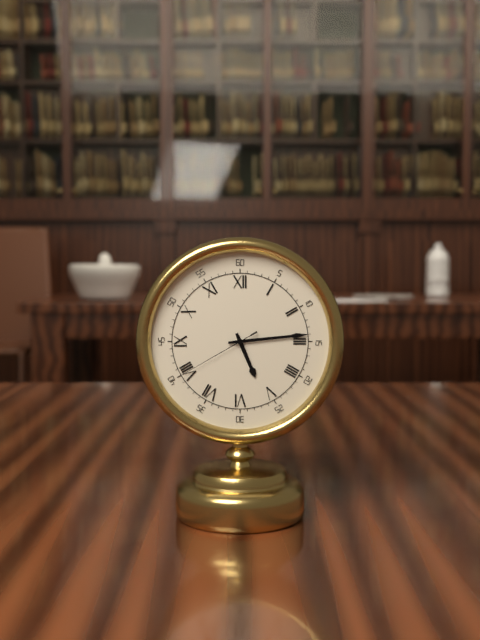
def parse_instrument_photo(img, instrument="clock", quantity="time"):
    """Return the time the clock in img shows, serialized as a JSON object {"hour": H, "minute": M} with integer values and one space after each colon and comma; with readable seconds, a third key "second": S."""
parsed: {"hour": 5, "minute": 14, "second": 40}
